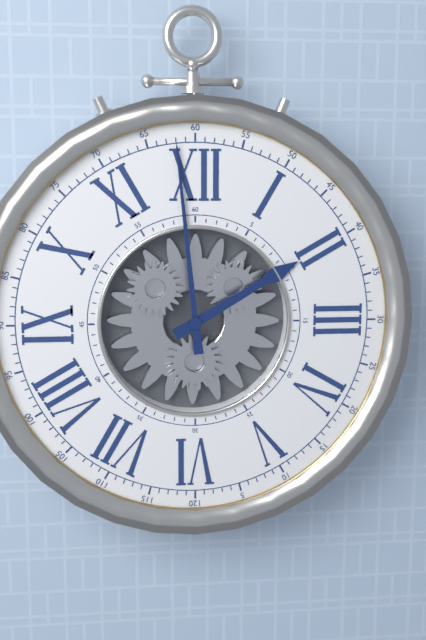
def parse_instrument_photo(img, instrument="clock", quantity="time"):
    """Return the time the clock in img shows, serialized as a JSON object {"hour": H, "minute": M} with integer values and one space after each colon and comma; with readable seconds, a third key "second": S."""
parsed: {"hour": 1, "minute": 59}
